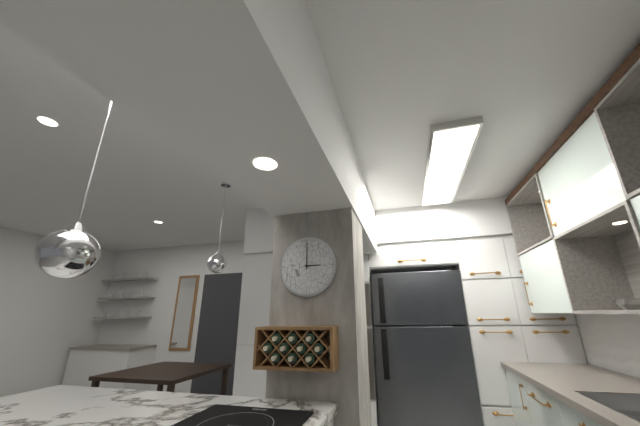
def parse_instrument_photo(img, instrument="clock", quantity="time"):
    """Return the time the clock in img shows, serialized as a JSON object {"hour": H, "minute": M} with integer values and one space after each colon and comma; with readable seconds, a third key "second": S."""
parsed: {"hour": 3, "minute": 0}
